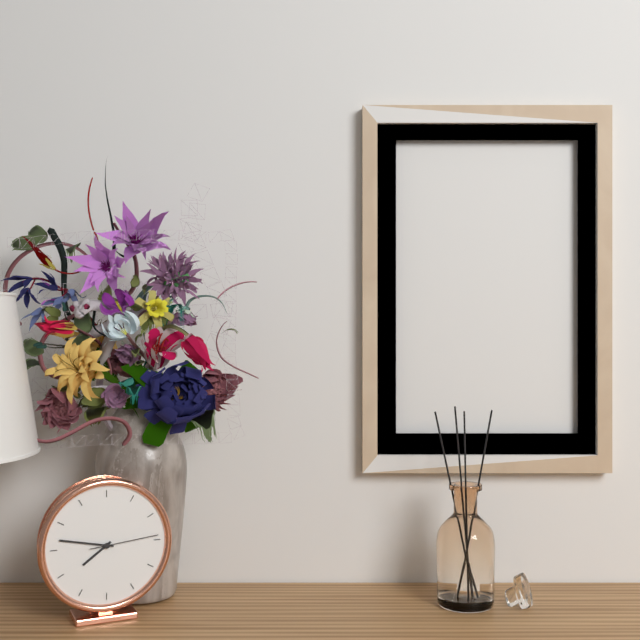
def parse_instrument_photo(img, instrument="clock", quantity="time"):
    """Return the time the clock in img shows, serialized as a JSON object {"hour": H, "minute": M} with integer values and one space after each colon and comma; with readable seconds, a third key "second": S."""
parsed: {"hour": 7, "minute": 47, "second": 14}
